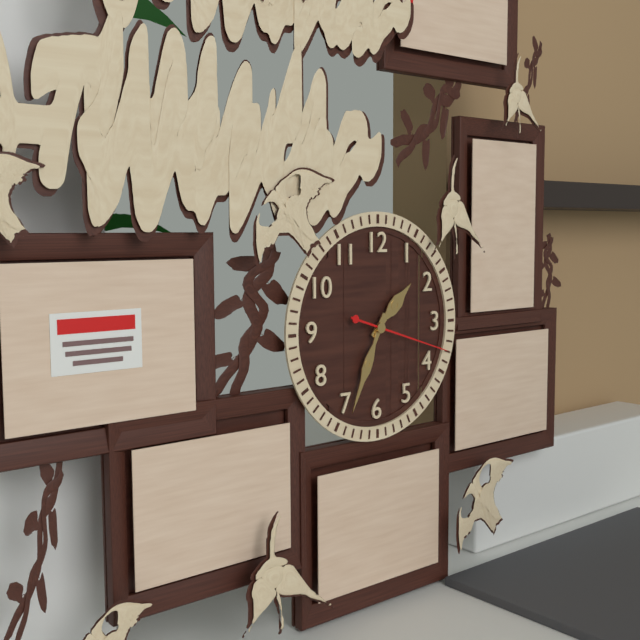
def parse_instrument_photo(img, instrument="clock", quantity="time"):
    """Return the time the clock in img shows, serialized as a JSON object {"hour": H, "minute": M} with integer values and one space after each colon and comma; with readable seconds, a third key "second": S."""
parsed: {"hour": 1, "minute": 34, "second": 18}
